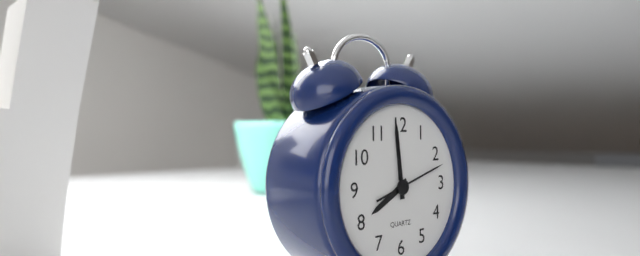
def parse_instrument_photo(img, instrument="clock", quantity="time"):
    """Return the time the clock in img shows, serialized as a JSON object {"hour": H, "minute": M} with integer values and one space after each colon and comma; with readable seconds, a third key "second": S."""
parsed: {"hour": 7, "minute": 59, "second": 12}
